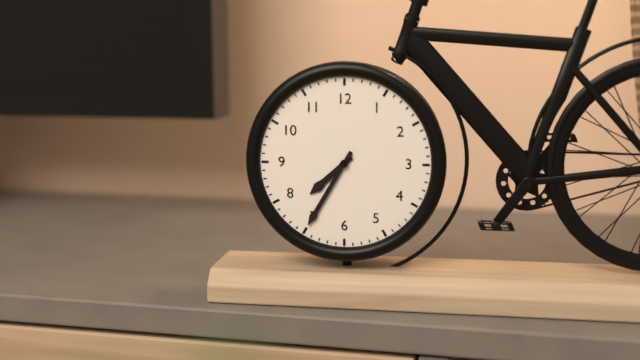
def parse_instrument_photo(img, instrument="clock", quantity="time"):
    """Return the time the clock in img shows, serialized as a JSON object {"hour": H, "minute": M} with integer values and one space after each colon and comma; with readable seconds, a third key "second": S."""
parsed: {"hour": 7, "minute": 35}
